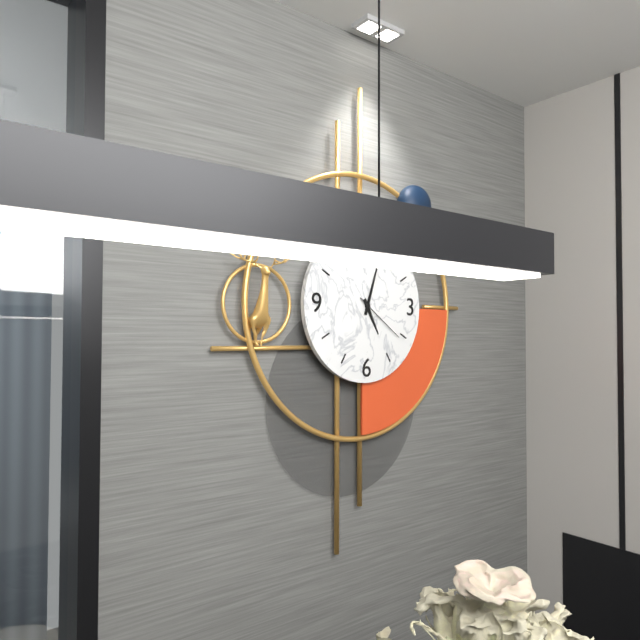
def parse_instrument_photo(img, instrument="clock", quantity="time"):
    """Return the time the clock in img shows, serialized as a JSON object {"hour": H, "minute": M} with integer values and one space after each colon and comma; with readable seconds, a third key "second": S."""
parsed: {"hour": 5, "minute": 3, "second": 21}
